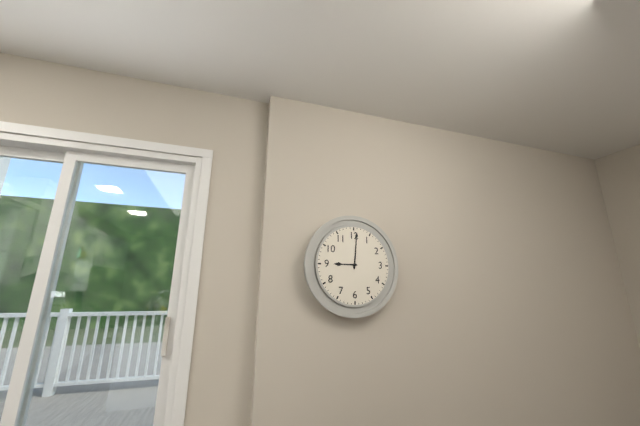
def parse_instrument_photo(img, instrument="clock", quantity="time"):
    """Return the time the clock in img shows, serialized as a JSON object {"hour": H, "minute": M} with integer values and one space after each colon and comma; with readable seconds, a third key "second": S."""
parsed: {"hour": 9, "minute": 1}
